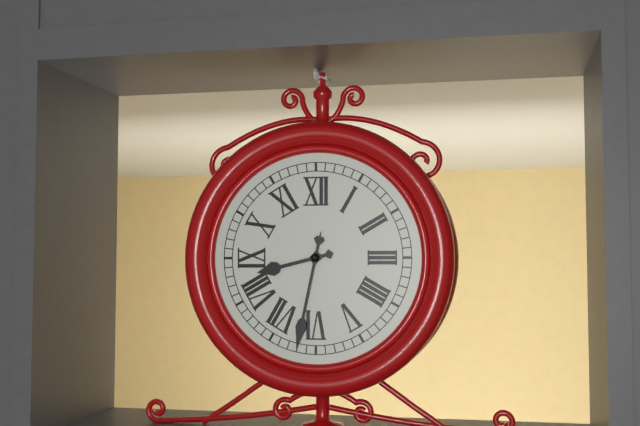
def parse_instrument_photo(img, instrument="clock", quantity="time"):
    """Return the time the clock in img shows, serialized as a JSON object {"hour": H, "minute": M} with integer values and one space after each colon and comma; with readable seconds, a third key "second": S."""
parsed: {"hour": 8, "minute": 32}
